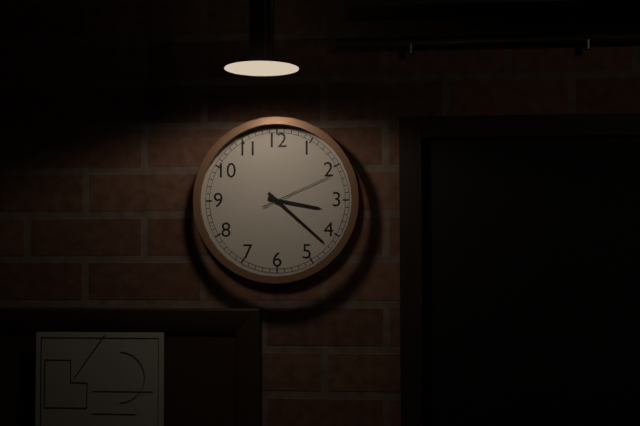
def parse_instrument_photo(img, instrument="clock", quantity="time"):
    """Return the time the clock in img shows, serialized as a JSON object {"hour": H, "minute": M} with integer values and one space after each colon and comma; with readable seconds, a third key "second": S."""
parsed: {"hour": 3, "minute": 22, "second": 11}
